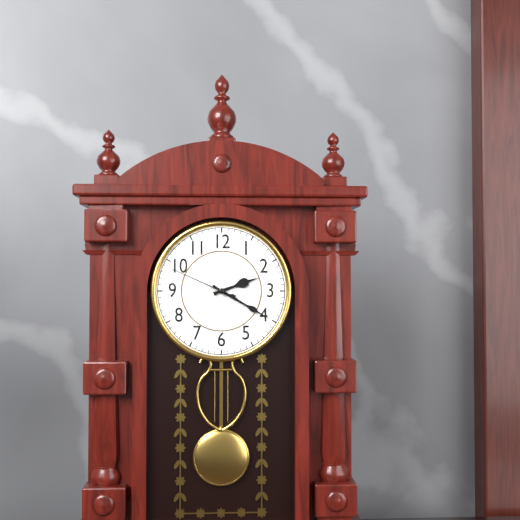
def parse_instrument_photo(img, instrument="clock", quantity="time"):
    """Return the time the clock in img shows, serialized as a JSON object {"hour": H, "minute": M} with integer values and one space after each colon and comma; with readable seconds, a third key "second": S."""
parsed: {"hour": 2, "minute": 20, "second": 49}
